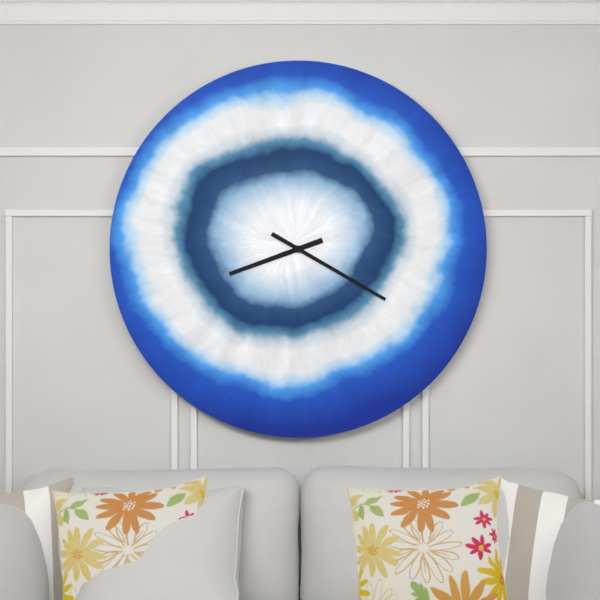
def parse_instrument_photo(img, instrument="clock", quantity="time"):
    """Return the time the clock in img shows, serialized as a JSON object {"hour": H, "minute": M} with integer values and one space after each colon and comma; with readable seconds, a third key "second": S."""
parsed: {"hour": 8, "minute": 20}
